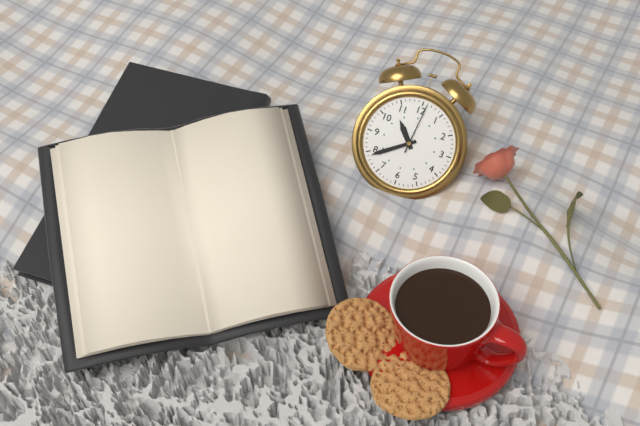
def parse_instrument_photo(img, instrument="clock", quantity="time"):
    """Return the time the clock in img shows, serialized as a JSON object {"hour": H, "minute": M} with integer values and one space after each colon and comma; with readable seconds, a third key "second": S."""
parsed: {"hour": 10, "minute": 39, "second": 1}
